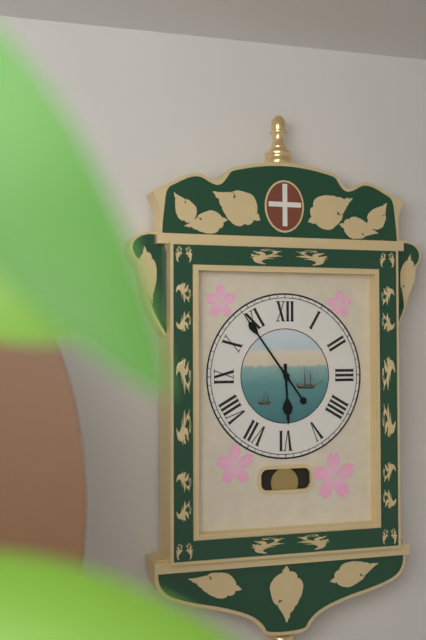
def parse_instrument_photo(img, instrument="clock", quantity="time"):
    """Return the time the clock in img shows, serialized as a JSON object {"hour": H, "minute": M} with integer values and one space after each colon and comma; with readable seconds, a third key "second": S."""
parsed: {"hour": 5, "minute": 54}
